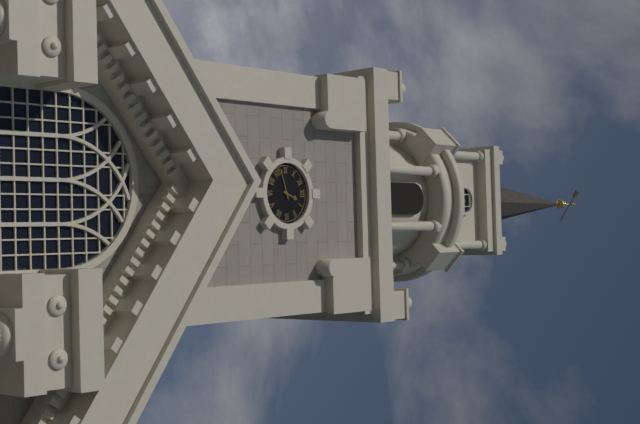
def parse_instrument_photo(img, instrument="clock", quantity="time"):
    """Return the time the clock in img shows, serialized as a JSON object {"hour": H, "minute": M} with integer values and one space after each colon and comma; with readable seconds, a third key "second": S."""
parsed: {"hour": 12, "minute": 42}
